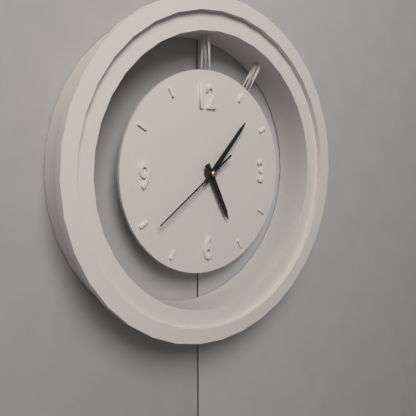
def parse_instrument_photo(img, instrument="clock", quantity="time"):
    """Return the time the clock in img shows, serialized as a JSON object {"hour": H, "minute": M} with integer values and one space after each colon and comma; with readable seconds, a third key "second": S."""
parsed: {"hour": 5, "minute": 7, "second": 39}
